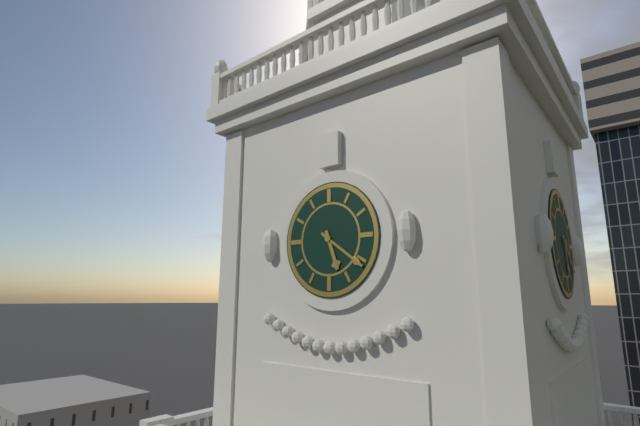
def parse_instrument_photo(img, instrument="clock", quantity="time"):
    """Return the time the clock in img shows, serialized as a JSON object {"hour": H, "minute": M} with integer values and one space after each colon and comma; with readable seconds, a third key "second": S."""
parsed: {"hour": 5, "minute": 21}
